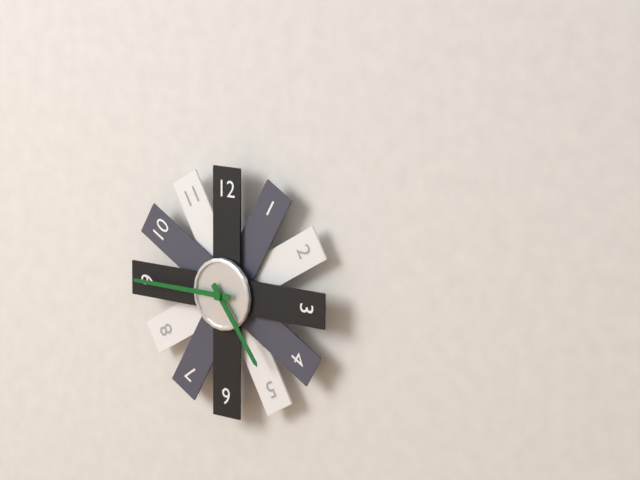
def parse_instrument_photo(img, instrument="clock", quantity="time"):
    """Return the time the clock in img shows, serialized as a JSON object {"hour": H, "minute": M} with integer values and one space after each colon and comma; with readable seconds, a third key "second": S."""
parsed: {"hour": 4, "minute": 45}
